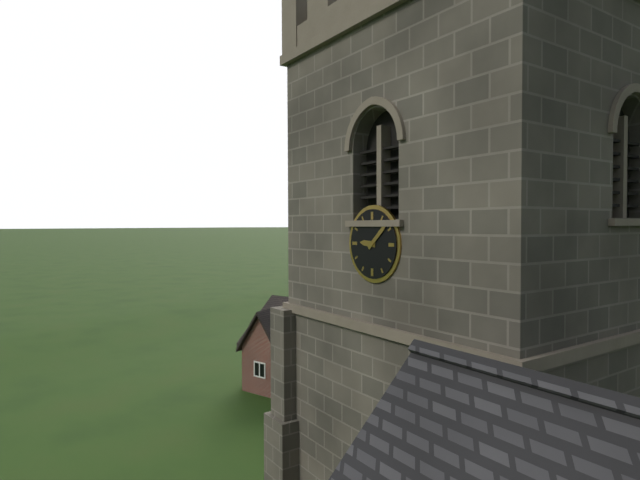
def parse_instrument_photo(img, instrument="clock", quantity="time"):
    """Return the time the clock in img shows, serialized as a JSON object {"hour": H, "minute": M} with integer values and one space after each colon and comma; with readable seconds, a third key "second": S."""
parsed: {"hour": 9, "minute": 8}
